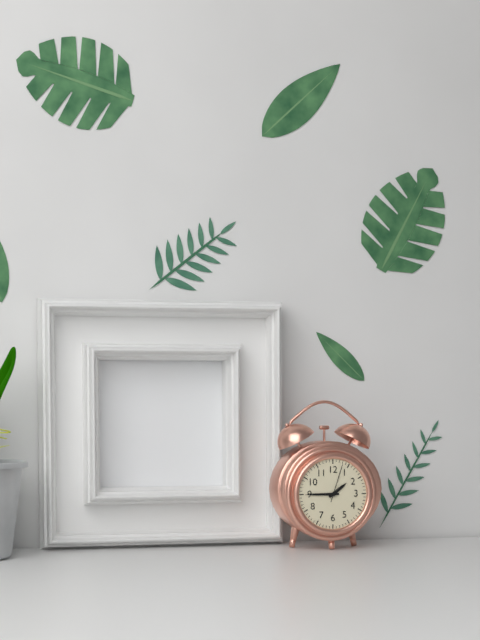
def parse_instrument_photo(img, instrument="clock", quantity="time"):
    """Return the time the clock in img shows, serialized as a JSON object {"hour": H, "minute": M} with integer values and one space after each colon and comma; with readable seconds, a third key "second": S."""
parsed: {"hour": 1, "minute": 45}
